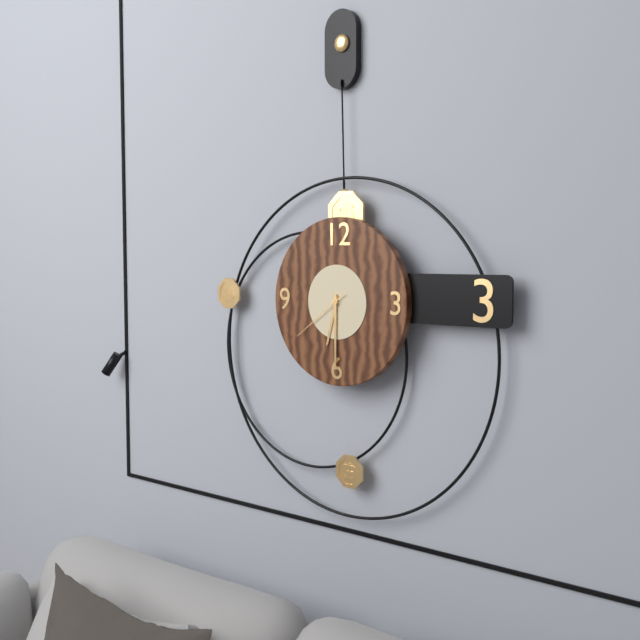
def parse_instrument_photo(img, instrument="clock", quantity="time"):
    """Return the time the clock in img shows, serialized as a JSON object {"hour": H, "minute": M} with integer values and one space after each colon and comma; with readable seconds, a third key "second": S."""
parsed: {"hour": 6, "minute": 30, "second": 39}
